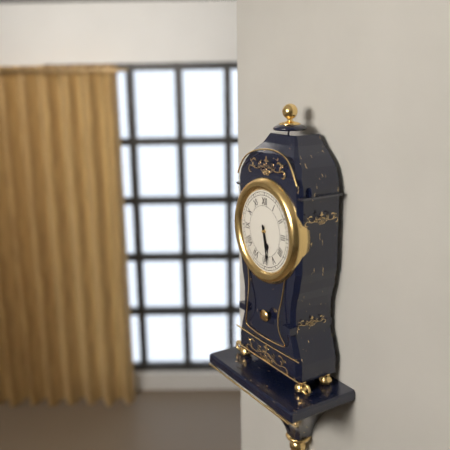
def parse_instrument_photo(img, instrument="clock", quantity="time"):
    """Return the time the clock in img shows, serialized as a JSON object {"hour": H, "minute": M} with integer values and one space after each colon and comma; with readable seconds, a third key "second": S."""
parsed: {"hour": 5, "minute": 28}
